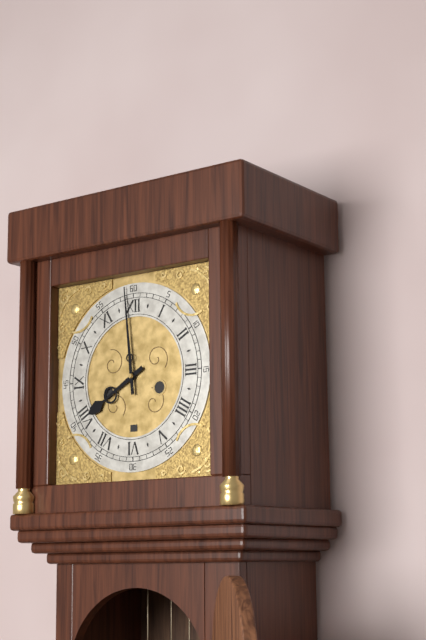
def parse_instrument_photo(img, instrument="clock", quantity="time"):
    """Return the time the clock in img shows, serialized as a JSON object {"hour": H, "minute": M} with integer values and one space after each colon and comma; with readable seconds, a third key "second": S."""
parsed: {"hour": 7, "minute": 59}
